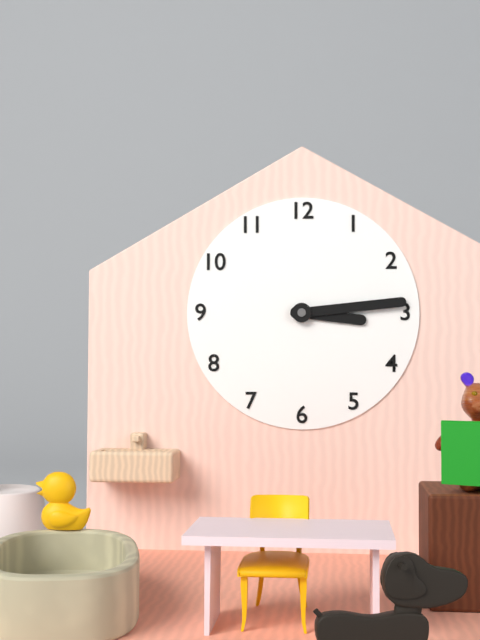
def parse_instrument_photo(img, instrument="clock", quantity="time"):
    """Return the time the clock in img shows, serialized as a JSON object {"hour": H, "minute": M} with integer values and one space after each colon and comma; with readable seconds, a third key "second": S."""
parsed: {"hour": 3, "minute": 14}
